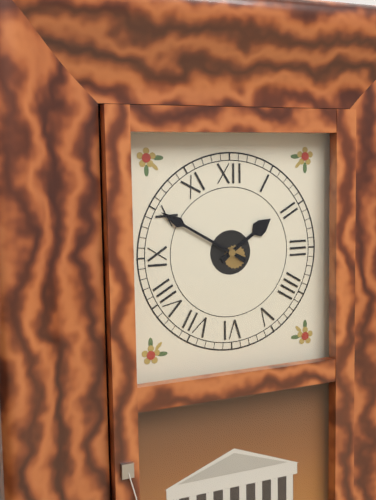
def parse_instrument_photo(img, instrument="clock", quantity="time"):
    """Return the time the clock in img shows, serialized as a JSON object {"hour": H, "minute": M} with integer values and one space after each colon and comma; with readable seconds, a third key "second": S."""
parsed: {"hour": 1, "minute": 50}
